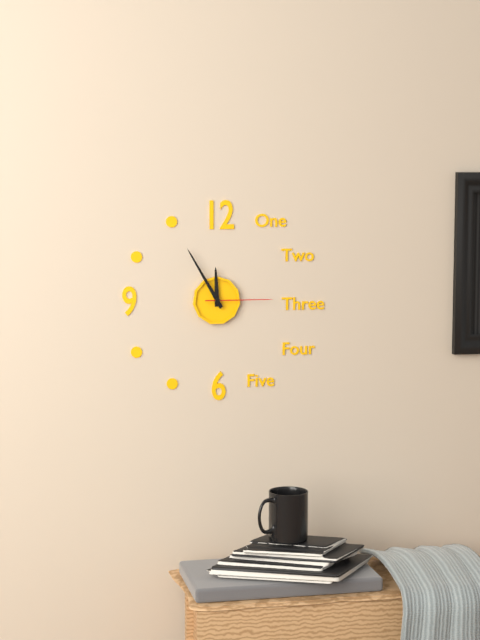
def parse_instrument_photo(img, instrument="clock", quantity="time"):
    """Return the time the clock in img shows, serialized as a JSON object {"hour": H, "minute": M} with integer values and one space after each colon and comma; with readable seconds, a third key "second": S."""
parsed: {"hour": 11, "minute": 55, "second": 15}
